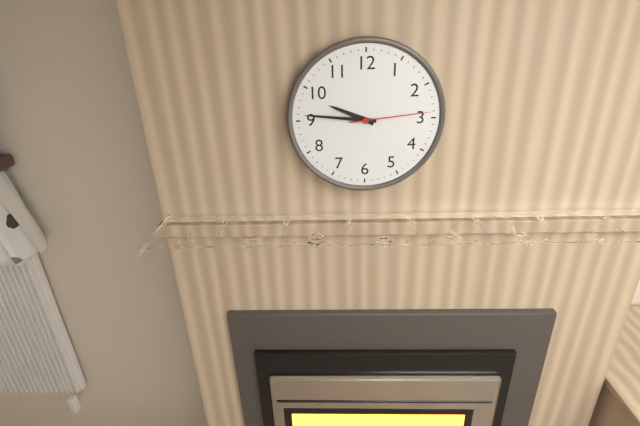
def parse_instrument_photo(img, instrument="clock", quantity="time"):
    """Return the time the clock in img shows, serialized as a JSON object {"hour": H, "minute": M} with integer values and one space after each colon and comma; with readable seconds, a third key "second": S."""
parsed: {"hour": 9, "minute": 46, "second": 14}
